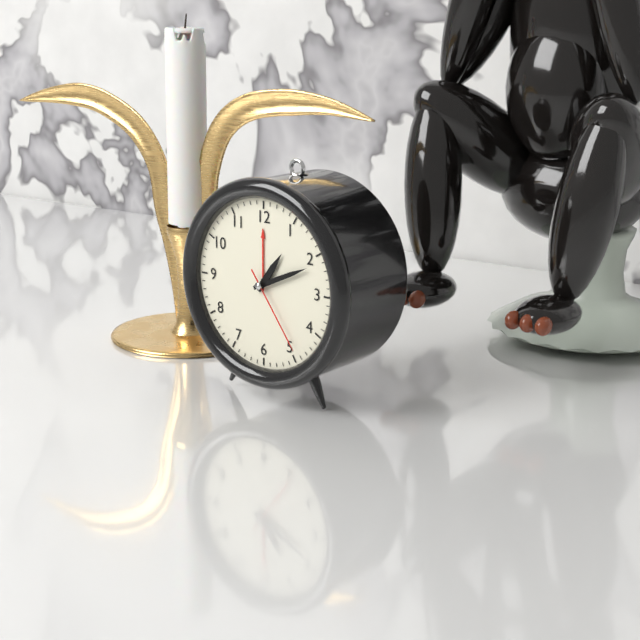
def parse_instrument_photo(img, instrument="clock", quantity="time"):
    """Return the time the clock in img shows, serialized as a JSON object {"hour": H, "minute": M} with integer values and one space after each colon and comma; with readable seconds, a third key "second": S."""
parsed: {"hour": 1, "minute": 11, "second": 24}
